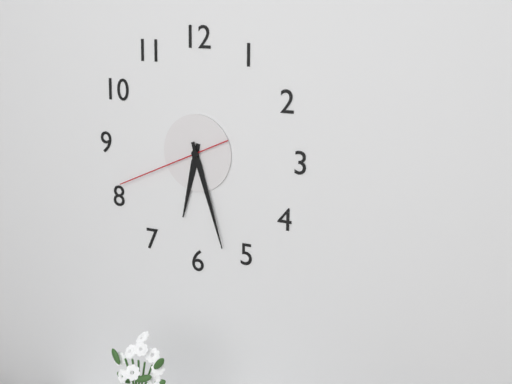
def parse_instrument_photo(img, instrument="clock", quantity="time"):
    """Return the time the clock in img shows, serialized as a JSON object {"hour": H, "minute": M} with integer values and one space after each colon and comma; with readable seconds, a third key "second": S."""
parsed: {"hour": 6, "minute": 27, "second": 41}
